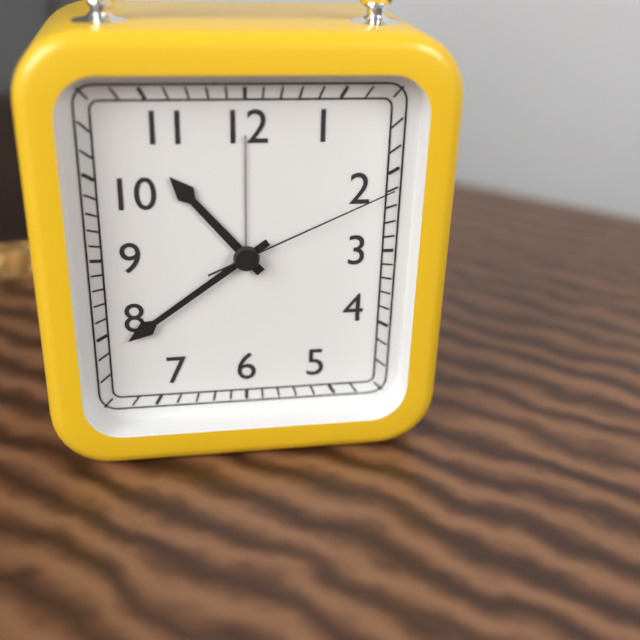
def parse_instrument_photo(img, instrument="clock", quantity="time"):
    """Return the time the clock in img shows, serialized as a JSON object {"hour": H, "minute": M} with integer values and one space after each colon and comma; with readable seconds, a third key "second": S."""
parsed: {"hour": 10, "minute": 39, "second": 11}
